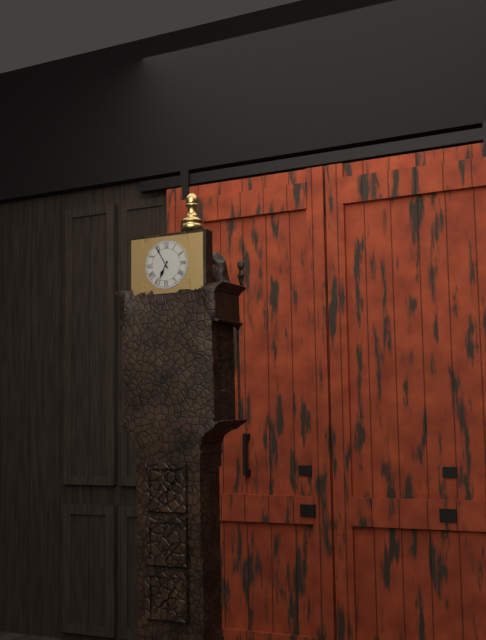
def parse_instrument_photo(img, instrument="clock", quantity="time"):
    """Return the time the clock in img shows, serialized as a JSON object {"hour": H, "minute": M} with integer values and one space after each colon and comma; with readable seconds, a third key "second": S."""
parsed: {"hour": 6, "minute": 55}
